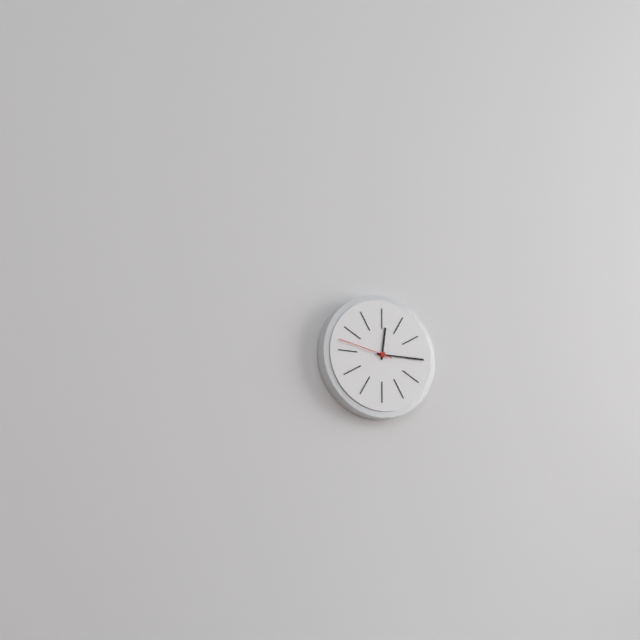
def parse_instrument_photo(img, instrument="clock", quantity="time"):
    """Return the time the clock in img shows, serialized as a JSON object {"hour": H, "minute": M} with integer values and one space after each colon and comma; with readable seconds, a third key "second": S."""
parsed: {"hour": 12, "minute": 15, "second": 47}
